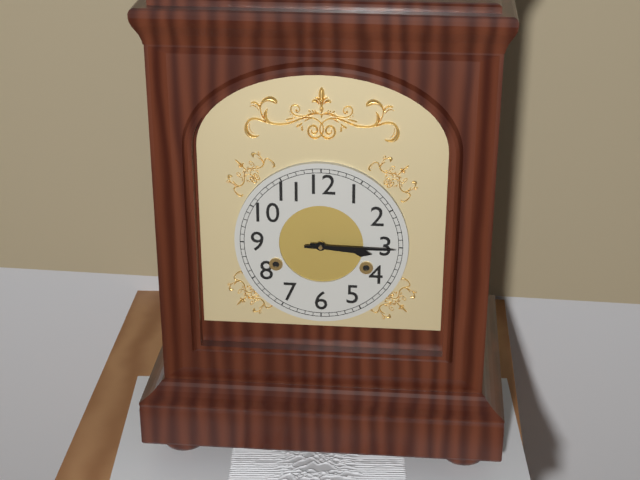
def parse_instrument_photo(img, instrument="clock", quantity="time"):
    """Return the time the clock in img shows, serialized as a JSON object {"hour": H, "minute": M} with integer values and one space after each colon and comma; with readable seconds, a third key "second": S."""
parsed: {"hour": 3, "minute": 15}
